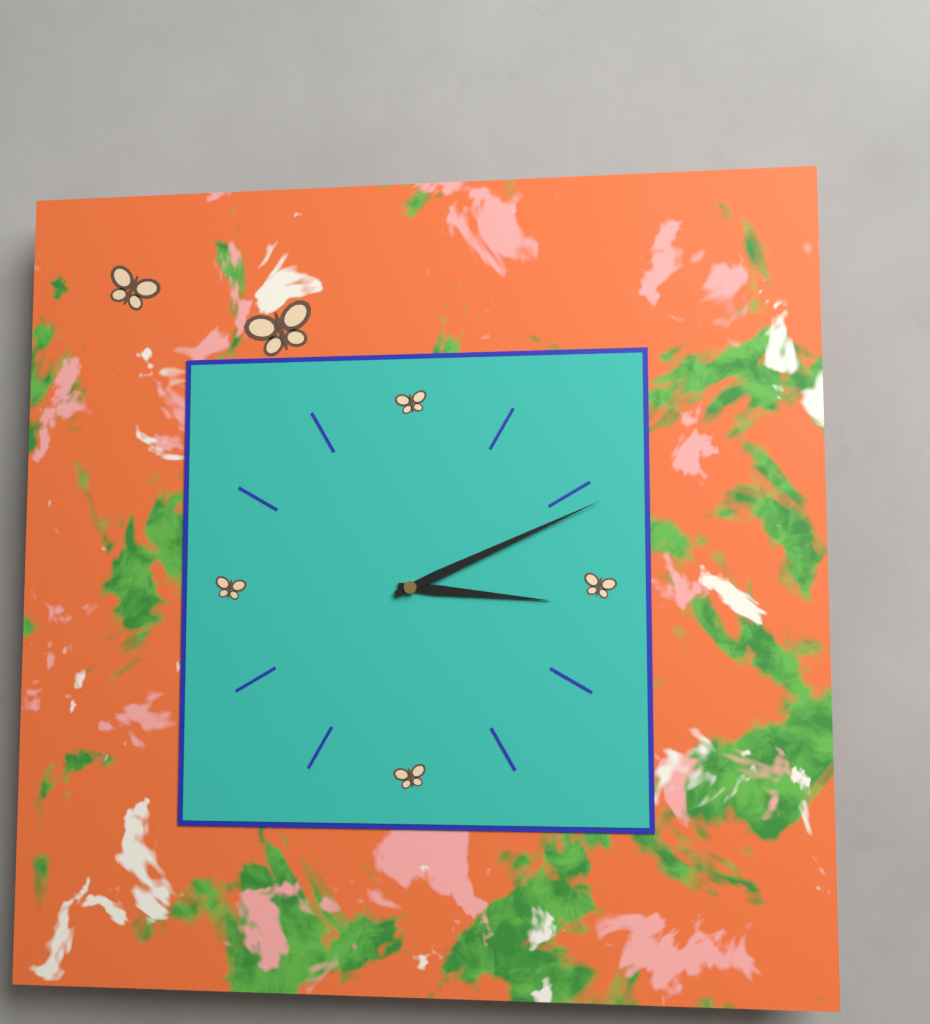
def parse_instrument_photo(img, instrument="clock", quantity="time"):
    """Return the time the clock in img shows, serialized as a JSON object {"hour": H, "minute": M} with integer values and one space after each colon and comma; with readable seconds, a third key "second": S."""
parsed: {"hour": 3, "minute": 11}
